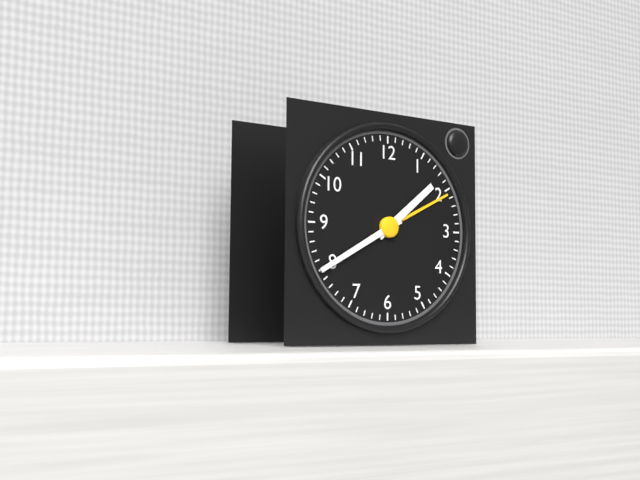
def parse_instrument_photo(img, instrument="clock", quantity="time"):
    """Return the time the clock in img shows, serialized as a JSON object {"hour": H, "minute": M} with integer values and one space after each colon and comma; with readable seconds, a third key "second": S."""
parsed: {"hour": 1, "minute": 40}
